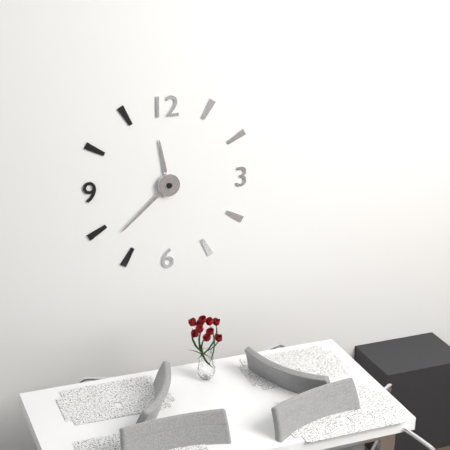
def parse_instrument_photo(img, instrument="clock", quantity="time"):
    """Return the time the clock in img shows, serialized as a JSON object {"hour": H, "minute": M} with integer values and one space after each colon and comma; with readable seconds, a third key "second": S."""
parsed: {"hour": 11, "minute": 38}
